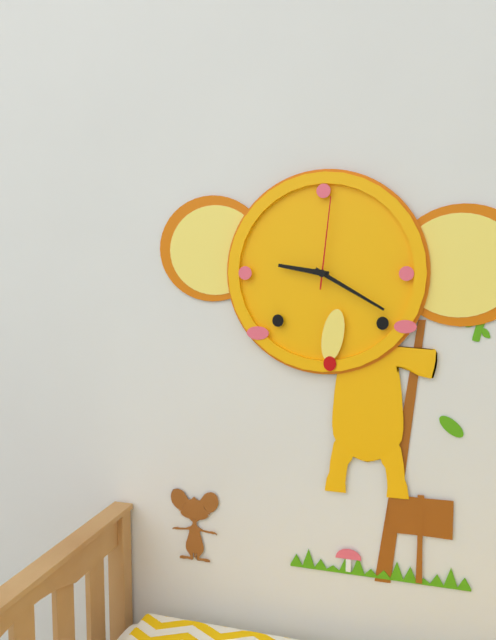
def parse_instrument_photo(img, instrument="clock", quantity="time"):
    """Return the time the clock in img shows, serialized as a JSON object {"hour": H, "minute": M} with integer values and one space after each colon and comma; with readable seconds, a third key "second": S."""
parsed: {"hour": 9, "minute": 20, "second": 1}
